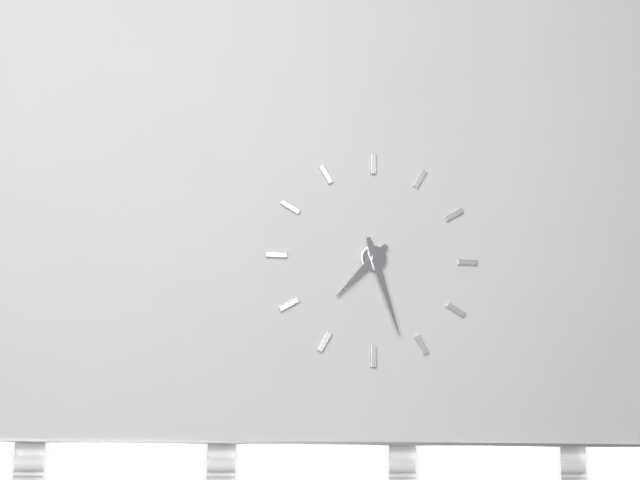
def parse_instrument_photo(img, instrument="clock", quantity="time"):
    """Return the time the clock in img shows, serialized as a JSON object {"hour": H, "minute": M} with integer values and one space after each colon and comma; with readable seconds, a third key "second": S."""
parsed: {"hour": 7, "minute": 27}
